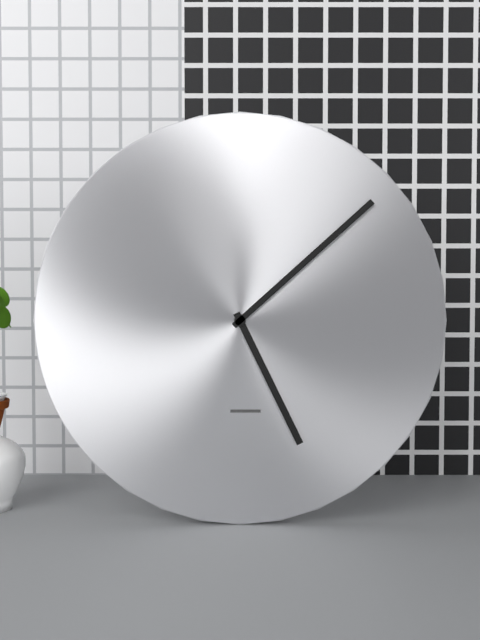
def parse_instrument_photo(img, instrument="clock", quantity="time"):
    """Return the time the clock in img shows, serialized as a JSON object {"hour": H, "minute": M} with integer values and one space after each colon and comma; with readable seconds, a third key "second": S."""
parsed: {"hour": 5, "minute": 8}
